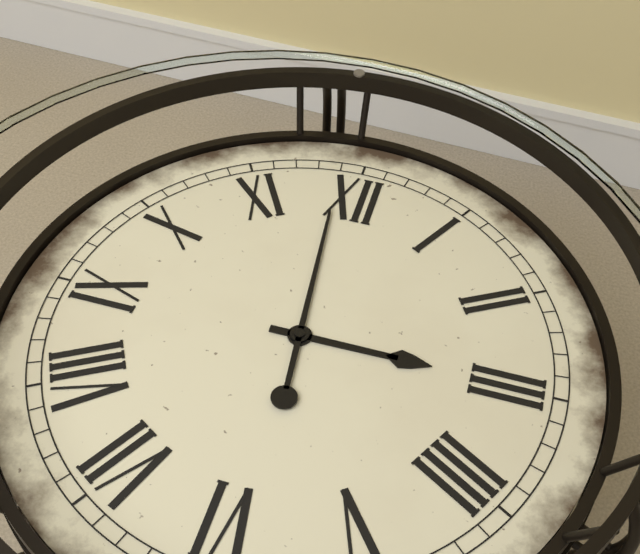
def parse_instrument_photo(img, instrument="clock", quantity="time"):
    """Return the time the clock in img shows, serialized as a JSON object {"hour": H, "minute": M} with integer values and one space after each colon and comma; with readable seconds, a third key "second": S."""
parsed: {"hour": 2, "minute": 59}
